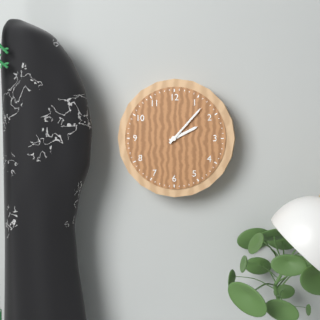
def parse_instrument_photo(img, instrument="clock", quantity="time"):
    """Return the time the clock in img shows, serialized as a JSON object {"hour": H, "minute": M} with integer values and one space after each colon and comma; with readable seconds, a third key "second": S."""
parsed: {"hour": 2, "minute": 7}
